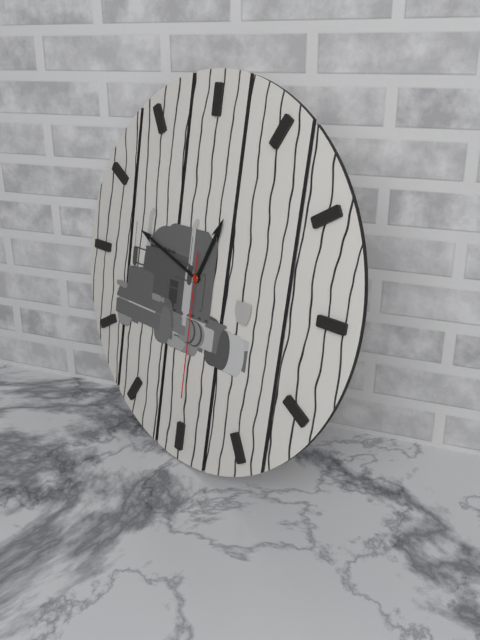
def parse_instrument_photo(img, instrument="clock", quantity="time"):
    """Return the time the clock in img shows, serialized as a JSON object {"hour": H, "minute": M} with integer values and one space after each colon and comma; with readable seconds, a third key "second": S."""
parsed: {"hour": 12, "minute": 48, "second": 30}
